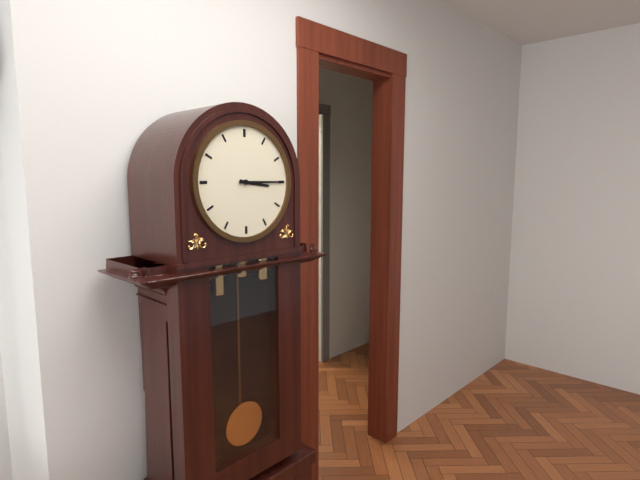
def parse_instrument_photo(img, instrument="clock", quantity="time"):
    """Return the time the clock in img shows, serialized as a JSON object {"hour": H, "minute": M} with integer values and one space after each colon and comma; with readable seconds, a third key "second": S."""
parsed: {"hour": 3, "minute": 15}
